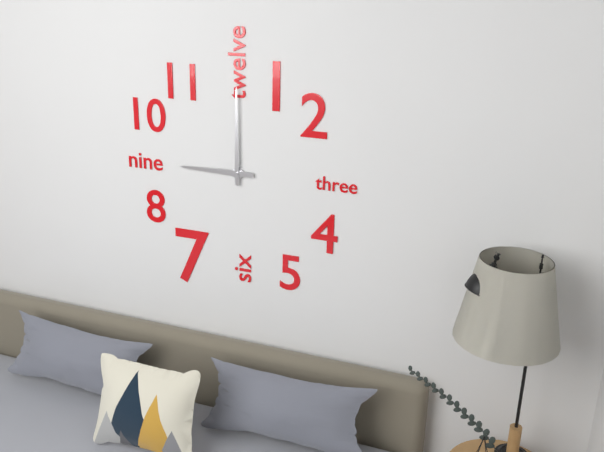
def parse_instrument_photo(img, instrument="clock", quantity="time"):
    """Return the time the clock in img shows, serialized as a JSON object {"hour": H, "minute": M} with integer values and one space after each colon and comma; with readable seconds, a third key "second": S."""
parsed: {"hour": 9, "minute": 0}
